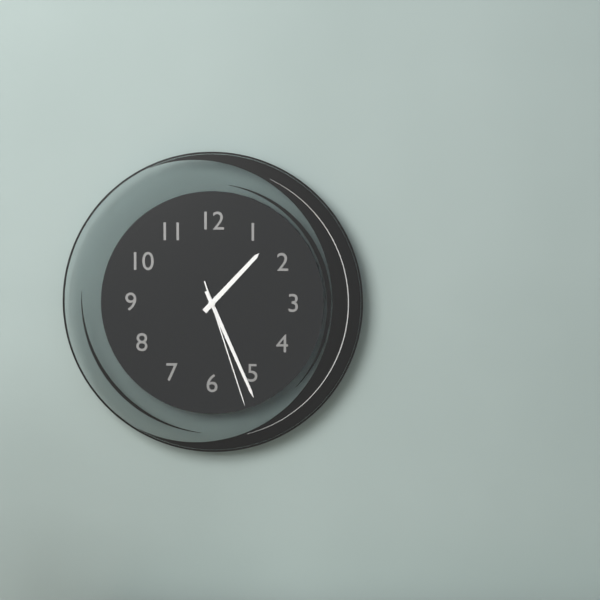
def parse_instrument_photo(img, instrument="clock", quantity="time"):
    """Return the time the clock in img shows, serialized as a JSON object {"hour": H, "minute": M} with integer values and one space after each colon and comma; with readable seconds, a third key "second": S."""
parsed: {"hour": 1, "minute": 26, "second": 27}
